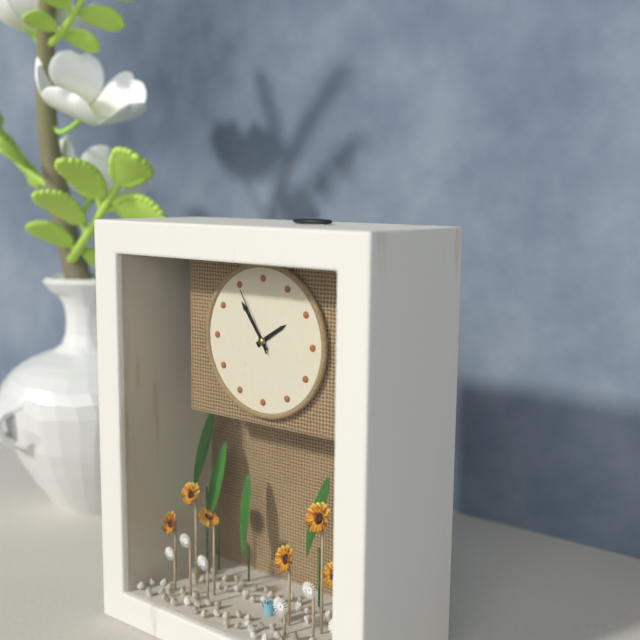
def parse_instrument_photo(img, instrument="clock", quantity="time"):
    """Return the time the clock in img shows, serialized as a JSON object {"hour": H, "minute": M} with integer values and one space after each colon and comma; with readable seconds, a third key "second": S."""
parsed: {"hour": 1, "minute": 54, "second": 55}
